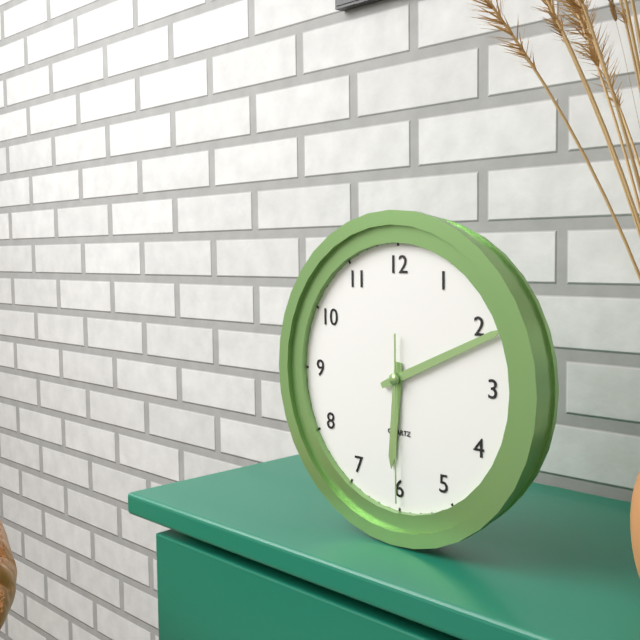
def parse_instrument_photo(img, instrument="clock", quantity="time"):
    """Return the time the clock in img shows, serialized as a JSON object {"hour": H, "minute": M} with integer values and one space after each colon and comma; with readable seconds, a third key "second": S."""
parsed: {"hour": 6, "minute": 11, "second": 30}
